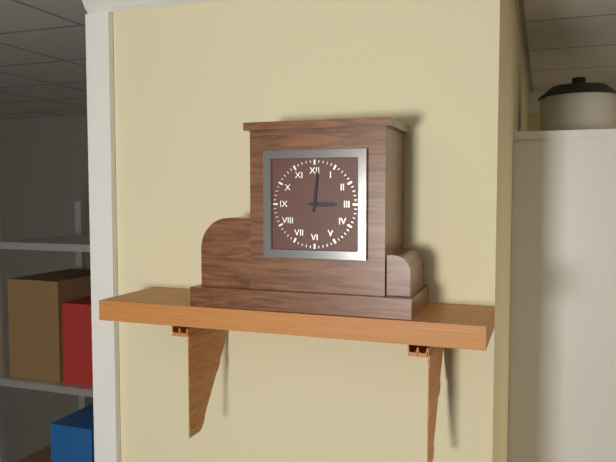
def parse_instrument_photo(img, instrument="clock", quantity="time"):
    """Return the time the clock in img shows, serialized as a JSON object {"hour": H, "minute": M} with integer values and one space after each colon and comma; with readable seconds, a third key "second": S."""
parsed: {"hour": 3, "minute": 1}
